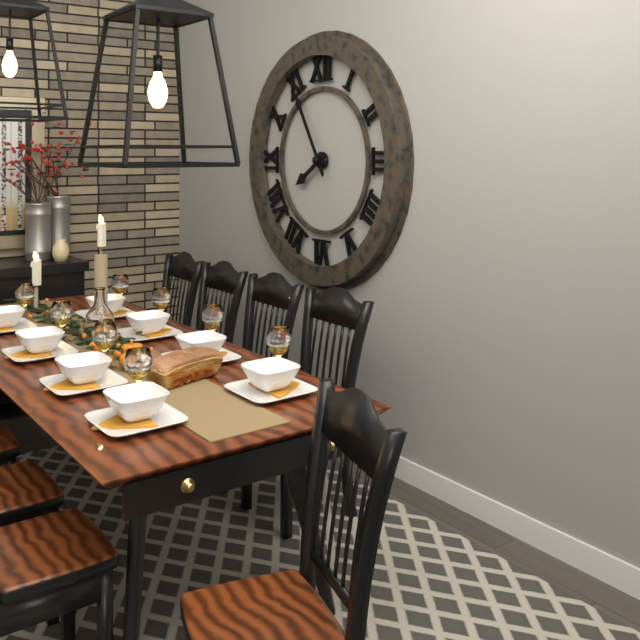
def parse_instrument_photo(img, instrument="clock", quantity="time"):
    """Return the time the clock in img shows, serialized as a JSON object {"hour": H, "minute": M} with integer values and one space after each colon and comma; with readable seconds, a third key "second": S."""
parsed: {"hour": 7, "minute": 55}
